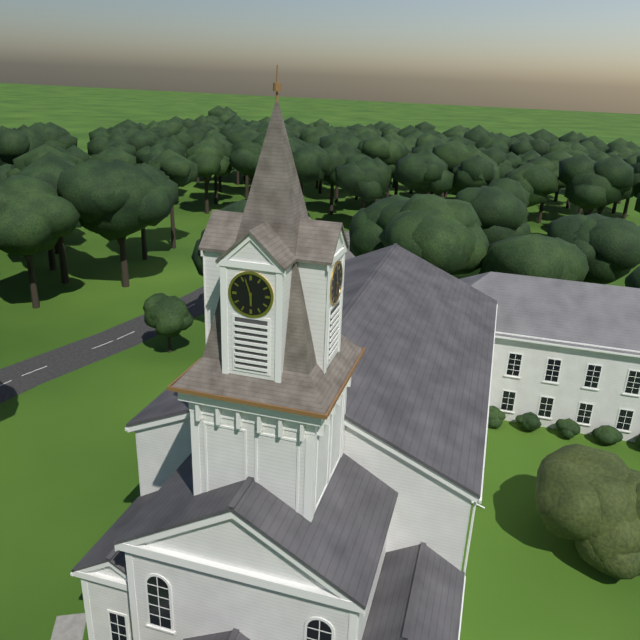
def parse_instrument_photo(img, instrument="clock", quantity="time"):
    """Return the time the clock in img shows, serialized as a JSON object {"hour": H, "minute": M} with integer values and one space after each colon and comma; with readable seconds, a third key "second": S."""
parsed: {"hour": 5, "minute": 57}
